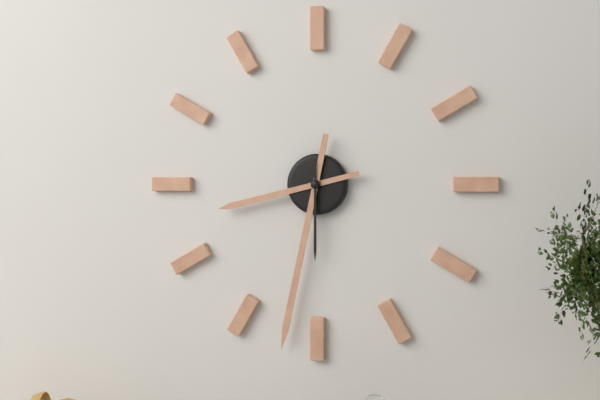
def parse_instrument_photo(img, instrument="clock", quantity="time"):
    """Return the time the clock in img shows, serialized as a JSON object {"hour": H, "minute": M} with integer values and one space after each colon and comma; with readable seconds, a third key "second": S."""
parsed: {"hour": 8, "minute": 32, "second": 30}
